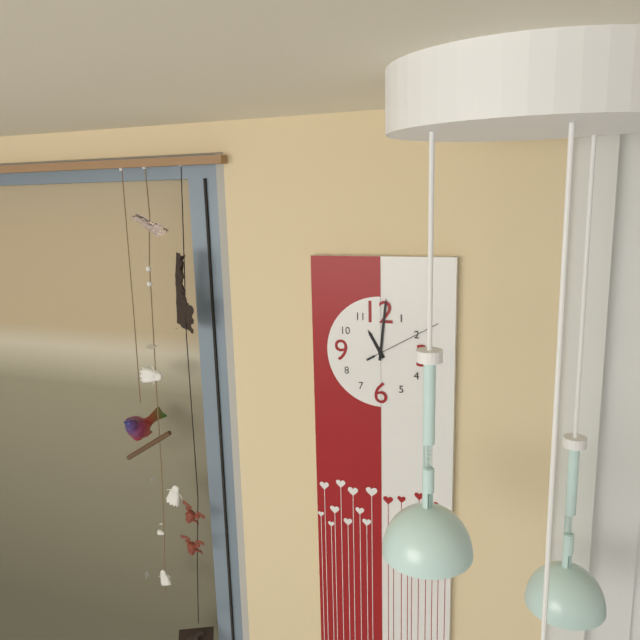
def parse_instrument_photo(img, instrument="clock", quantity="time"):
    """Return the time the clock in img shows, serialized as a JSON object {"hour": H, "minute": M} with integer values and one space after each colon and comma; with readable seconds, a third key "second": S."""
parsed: {"hour": 11, "minute": 1, "second": 10}
